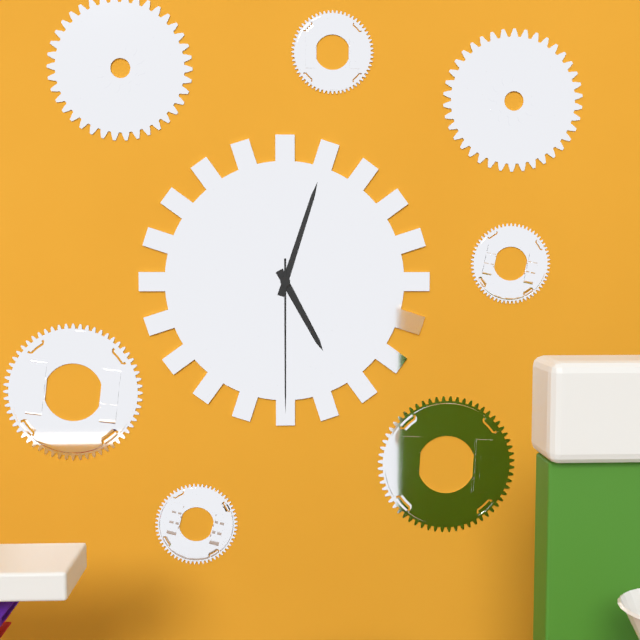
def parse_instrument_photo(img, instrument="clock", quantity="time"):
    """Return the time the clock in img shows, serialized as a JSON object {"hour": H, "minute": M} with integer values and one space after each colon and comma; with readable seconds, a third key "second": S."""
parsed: {"hour": 5, "minute": 3, "second": 30}
